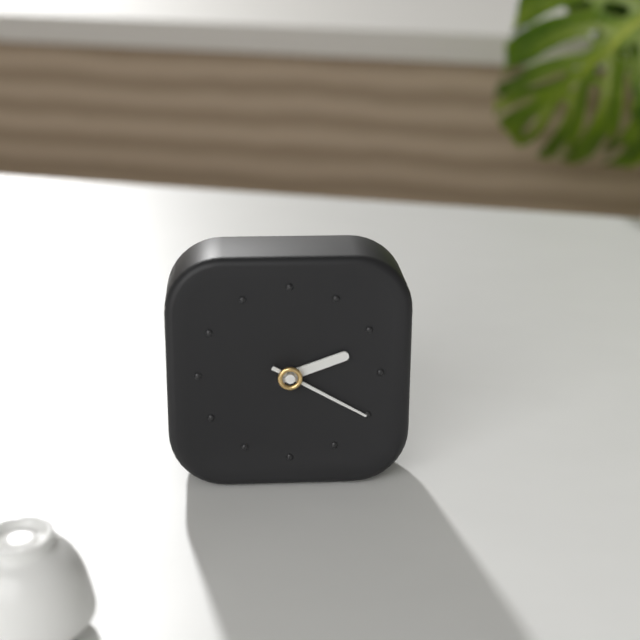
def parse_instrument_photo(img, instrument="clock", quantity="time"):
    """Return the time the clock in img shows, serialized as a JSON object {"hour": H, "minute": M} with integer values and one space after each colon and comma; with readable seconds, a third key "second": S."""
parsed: {"hour": 2, "minute": 20}
